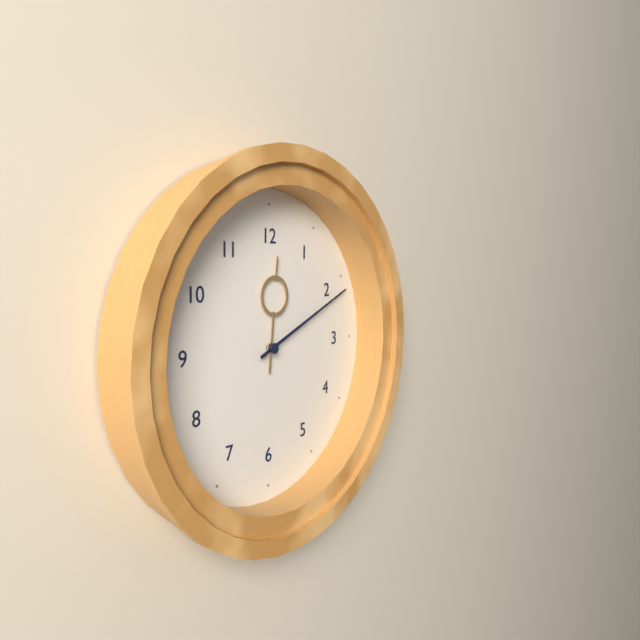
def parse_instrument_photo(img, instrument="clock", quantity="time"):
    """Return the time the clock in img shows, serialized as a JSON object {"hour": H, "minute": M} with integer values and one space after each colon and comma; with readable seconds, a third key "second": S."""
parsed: {"hour": 12, "minute": 11}
